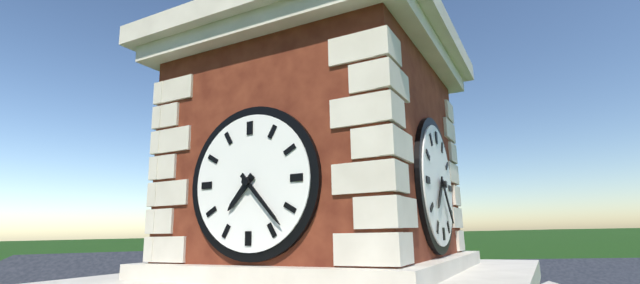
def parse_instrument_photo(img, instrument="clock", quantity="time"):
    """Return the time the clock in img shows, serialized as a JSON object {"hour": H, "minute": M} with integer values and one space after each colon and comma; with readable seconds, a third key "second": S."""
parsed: {"hour": 7, "minute": 23}
